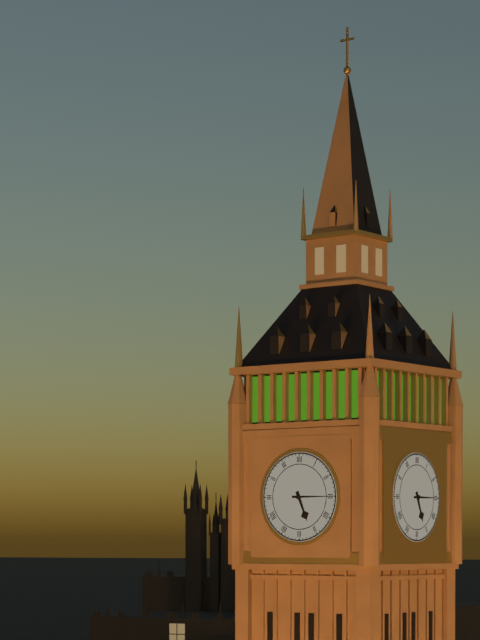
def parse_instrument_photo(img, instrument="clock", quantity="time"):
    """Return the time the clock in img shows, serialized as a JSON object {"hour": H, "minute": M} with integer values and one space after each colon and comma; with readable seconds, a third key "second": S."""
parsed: {"hour": 5, "minute": 15}
